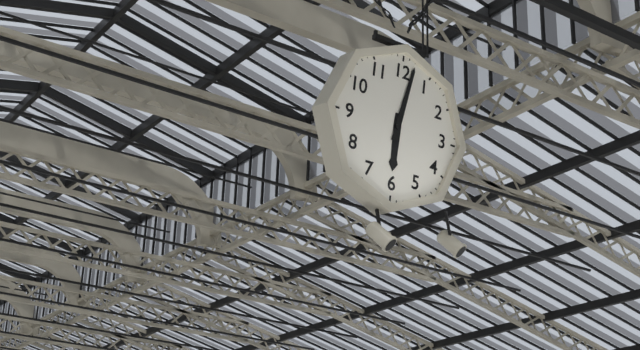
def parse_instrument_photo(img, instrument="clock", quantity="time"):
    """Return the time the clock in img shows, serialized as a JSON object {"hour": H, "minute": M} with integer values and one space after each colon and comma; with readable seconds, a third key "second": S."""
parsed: {"hour": 6, "minute": 2}
